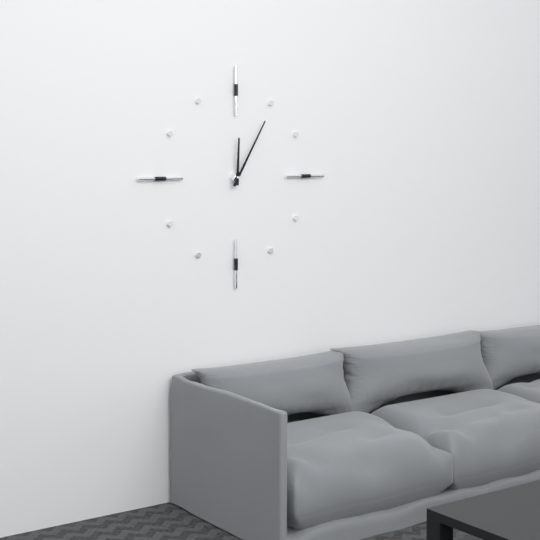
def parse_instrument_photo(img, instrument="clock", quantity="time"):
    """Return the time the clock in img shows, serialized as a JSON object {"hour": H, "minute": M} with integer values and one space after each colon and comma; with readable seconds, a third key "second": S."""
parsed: {"hour": 12, "minute": 5}
